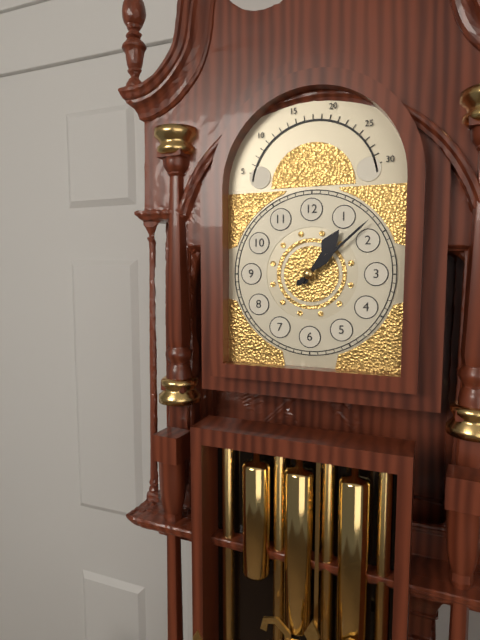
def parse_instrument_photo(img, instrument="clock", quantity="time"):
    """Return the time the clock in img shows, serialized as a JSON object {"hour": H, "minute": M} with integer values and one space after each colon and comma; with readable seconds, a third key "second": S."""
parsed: {"hour": 1, "minute": 8}
